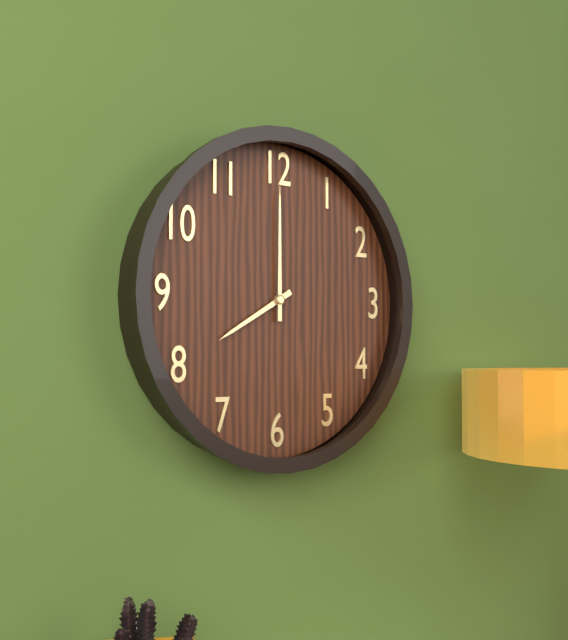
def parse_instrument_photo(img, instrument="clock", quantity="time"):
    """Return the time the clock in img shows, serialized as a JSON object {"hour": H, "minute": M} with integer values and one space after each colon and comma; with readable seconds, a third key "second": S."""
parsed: {"hour": 8, "minute": 0}
